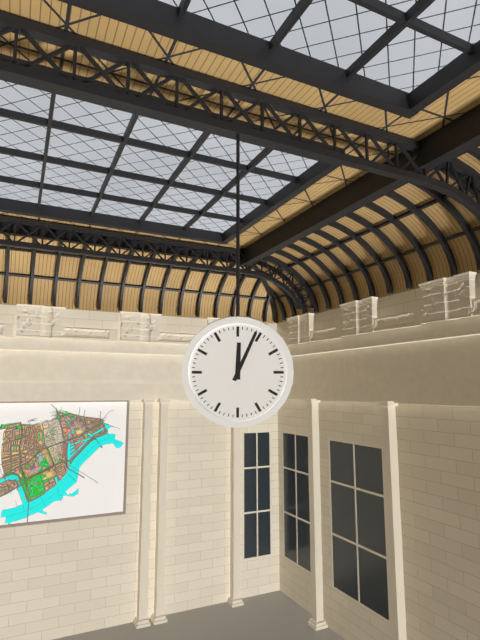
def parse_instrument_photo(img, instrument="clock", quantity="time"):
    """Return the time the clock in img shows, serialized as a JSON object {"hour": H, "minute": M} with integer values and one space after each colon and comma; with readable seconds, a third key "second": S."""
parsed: {"hour": 12, "minute": 4}
